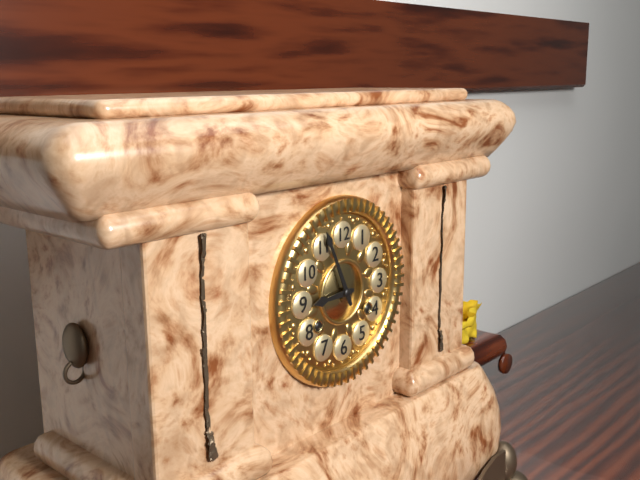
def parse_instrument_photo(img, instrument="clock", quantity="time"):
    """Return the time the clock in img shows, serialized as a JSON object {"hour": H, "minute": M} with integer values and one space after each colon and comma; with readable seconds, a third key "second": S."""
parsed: {"hour": 8, "minute": 56}
